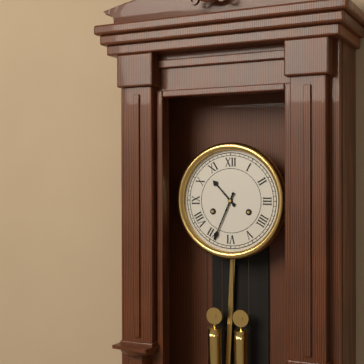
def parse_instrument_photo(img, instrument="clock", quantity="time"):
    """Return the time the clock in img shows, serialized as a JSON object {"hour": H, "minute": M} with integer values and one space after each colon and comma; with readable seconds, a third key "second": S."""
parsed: {"hour": 10, "minute": 34}
